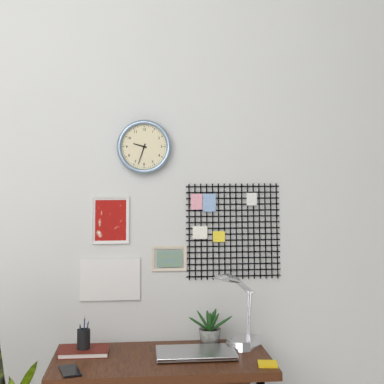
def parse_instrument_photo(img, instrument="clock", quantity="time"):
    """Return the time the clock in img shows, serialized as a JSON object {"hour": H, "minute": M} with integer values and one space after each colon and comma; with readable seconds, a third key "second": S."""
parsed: {"hour": 9, "minute": 33}
